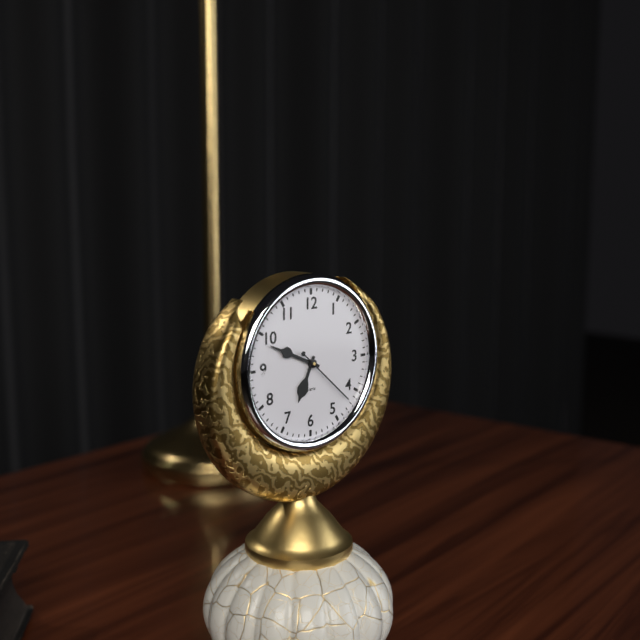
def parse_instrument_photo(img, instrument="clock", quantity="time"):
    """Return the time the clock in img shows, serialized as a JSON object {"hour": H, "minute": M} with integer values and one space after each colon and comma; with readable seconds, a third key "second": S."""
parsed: {"hour": 6, "minute": 49, "second": 22}
